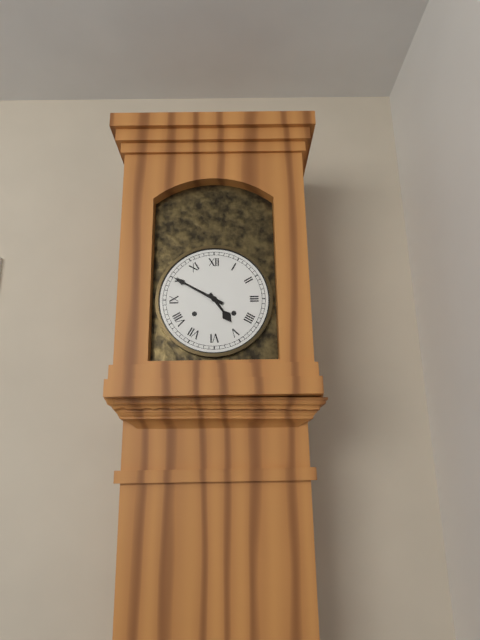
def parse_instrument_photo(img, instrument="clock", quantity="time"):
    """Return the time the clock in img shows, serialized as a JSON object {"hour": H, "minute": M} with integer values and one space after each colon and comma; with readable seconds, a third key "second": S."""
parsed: {"hour": 4, "minute": 50}
